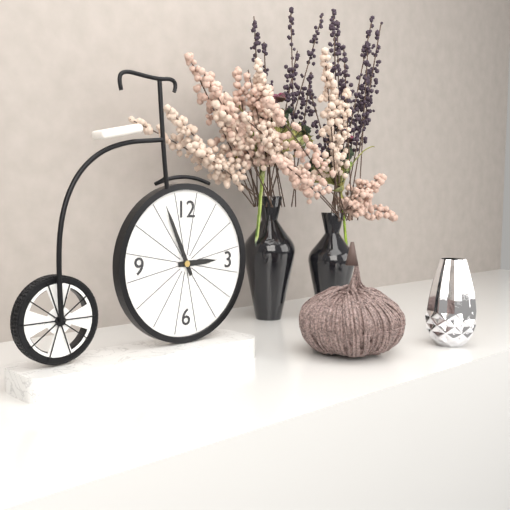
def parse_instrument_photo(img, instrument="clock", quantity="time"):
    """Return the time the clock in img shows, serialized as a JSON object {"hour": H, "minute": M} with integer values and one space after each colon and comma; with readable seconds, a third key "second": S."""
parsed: {"hour": 2, "minute": 56}
